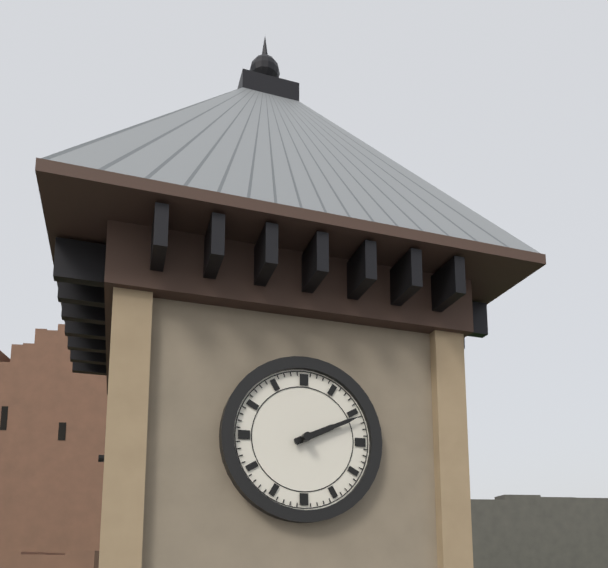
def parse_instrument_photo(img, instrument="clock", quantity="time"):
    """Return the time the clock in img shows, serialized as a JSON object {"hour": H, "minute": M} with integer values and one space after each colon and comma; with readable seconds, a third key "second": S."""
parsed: {"hour": 2, "minute": 11}
